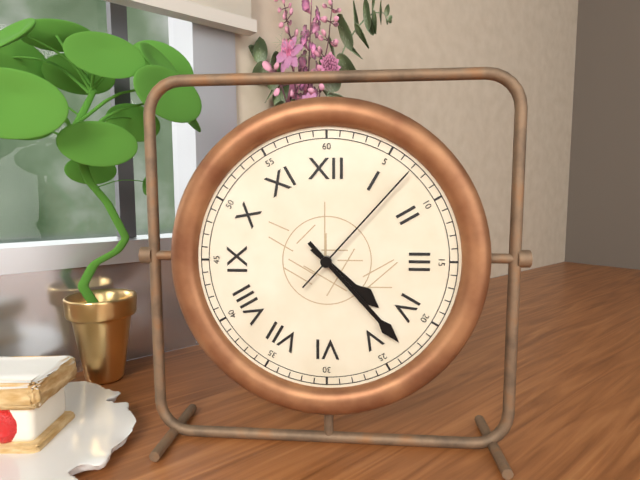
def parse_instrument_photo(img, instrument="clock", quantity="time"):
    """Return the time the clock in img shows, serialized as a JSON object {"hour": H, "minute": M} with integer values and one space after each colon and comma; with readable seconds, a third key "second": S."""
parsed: {"hour": 4, "minute": 23, "second": 7}
